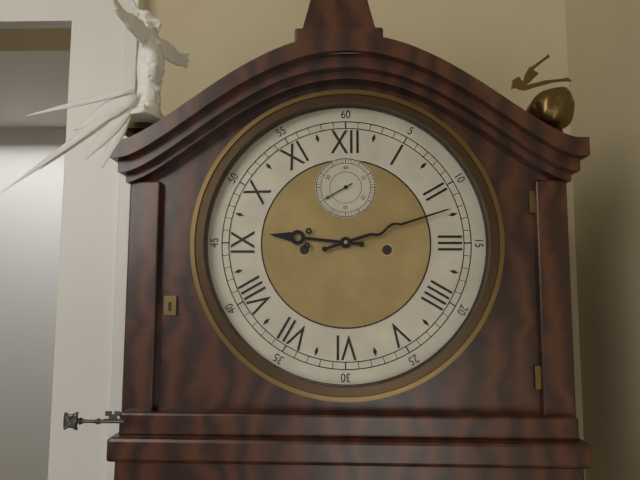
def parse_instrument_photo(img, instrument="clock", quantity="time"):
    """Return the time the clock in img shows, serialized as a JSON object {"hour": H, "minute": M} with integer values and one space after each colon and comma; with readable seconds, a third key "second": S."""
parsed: {"hour": 9, "minute": 12}
